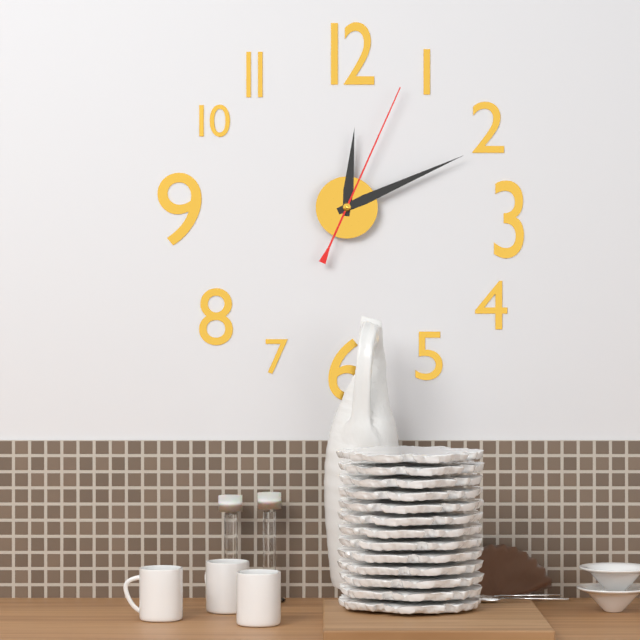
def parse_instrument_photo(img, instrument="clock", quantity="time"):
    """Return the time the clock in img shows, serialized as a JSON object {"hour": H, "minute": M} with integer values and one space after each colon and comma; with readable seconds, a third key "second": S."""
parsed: {"hour": 12, "minute": 11, "second": 4}
